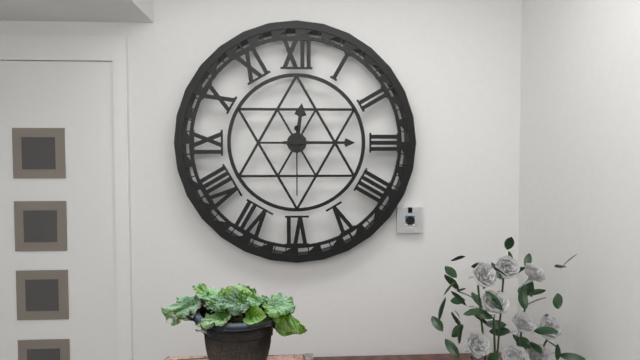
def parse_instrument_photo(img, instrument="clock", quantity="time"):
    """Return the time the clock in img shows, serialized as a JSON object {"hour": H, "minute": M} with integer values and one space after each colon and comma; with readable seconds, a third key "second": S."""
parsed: {"hour": 12, "minute": 15, "second": 30}
